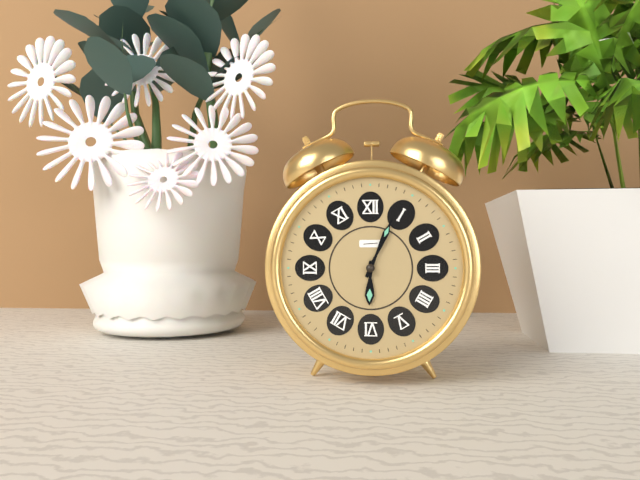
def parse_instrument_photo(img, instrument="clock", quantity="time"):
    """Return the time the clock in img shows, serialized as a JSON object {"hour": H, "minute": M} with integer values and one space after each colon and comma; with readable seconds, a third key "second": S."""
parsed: {"hour": 6, "minute": 4}
